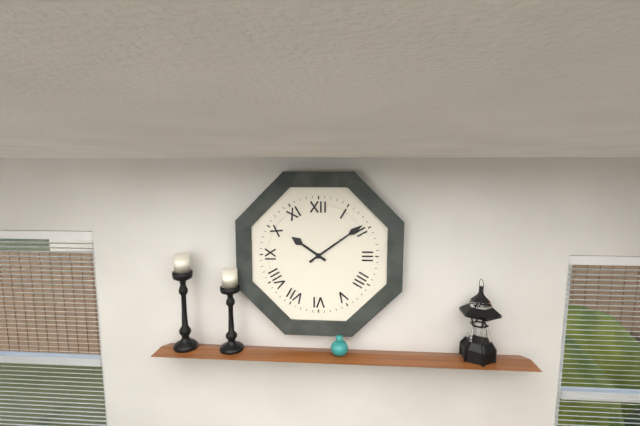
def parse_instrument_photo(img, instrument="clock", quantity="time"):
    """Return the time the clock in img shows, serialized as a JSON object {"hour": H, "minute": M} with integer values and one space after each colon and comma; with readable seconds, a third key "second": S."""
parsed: {"hour": 10, "minute": 9}
